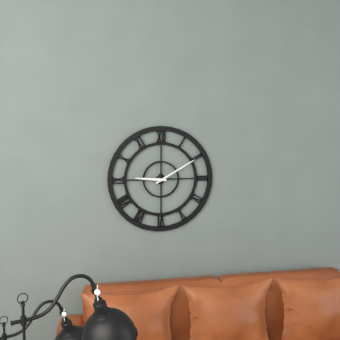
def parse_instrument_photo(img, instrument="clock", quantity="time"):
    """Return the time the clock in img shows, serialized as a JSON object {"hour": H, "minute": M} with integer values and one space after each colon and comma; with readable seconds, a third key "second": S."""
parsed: {"hour": 9, "minute": 10}
